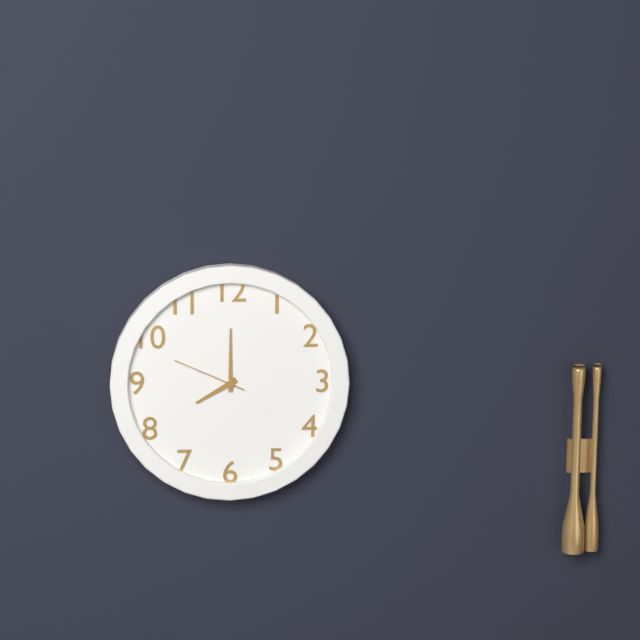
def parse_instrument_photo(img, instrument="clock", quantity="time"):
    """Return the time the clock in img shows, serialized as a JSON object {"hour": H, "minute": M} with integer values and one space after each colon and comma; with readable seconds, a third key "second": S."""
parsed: {"hour": 8, "minute": 0, "second": 49}
